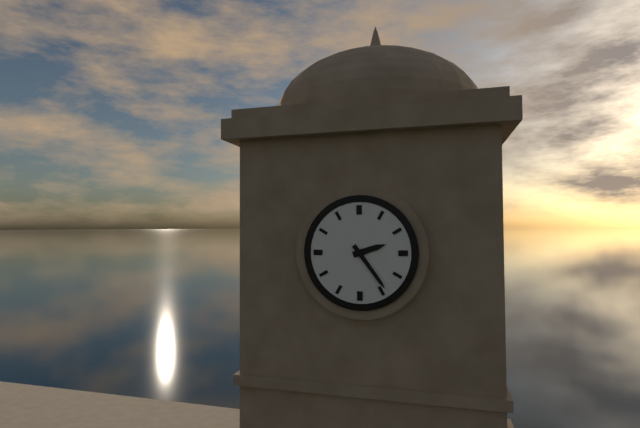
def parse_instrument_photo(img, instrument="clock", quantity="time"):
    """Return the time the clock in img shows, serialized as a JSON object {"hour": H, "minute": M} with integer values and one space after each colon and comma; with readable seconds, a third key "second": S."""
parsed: {"hour": 2, "minute": 24}
